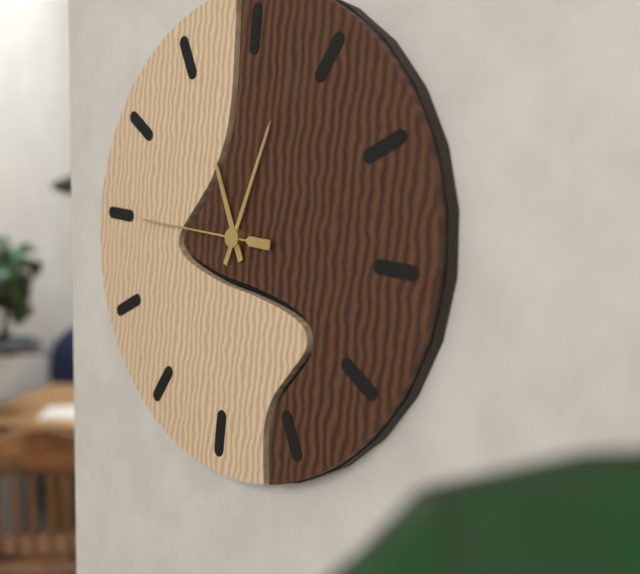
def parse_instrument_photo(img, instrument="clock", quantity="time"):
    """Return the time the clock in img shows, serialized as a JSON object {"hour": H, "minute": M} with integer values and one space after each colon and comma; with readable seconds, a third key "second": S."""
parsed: {"hour": 11, "minute": 3, "second": 45}
